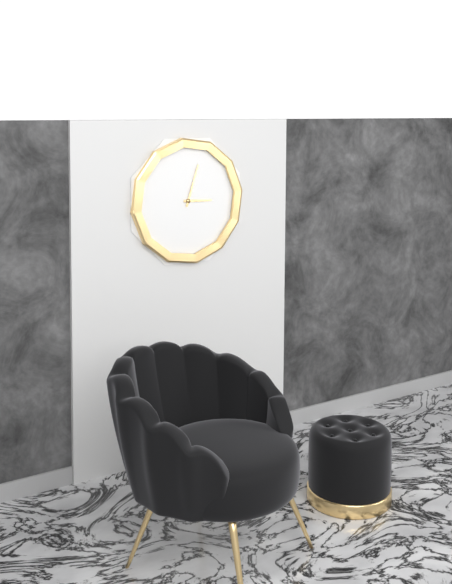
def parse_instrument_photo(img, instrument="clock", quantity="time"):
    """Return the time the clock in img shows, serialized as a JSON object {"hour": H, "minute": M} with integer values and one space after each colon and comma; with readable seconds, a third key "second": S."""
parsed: {"hour": 3, "minute": 3}
